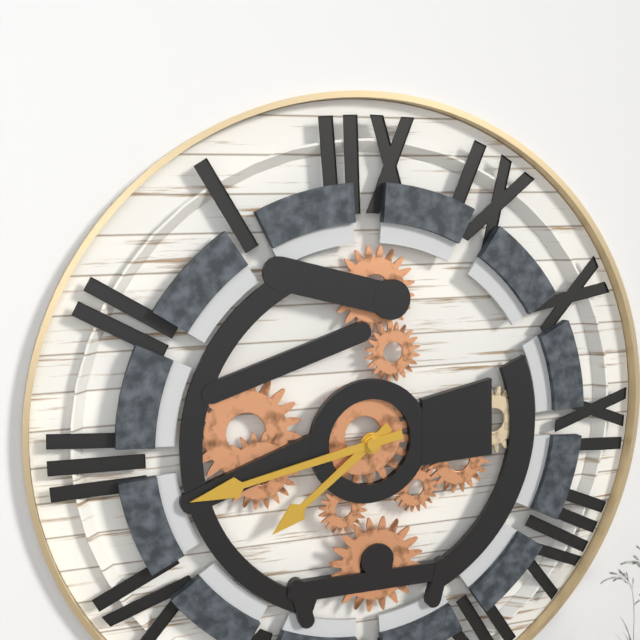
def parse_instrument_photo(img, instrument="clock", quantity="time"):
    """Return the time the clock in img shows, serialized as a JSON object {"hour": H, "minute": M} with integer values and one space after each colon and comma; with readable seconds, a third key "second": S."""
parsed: {"hour": 7, "minute": 43}
